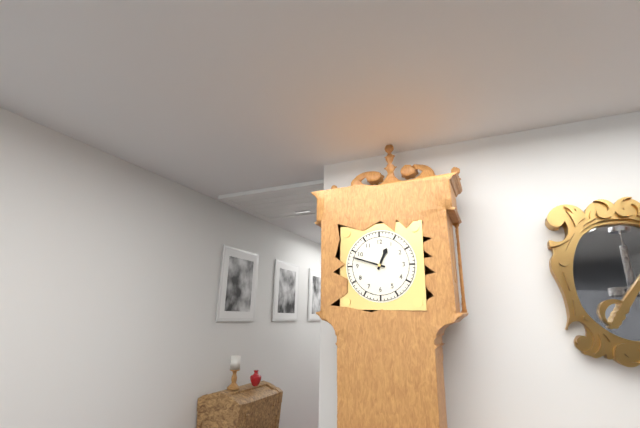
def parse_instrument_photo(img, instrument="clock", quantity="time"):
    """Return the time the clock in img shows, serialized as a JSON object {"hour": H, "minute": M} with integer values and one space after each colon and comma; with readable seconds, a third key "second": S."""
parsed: {"hour": 12, "minute": 48}
